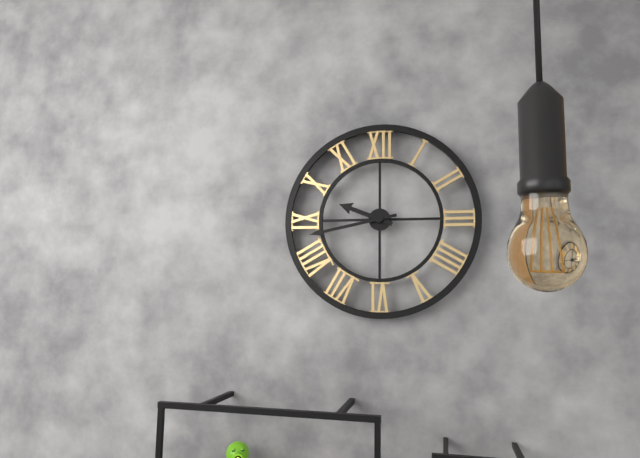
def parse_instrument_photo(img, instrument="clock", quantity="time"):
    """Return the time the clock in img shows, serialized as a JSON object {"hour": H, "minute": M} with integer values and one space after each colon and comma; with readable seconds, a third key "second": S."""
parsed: {"hour": 9, "minute": 43}
